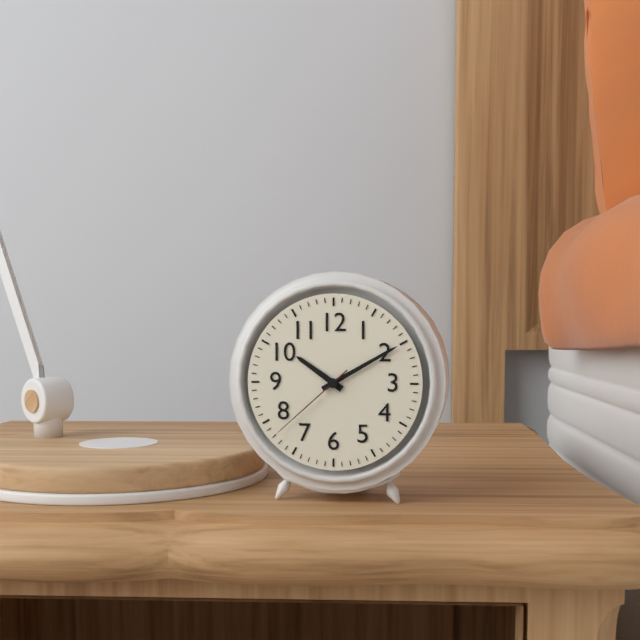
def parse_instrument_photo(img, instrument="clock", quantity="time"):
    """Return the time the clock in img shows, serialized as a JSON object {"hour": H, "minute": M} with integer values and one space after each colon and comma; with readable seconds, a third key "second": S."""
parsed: {"hour": 10, "minute": 10, "second": 38}
